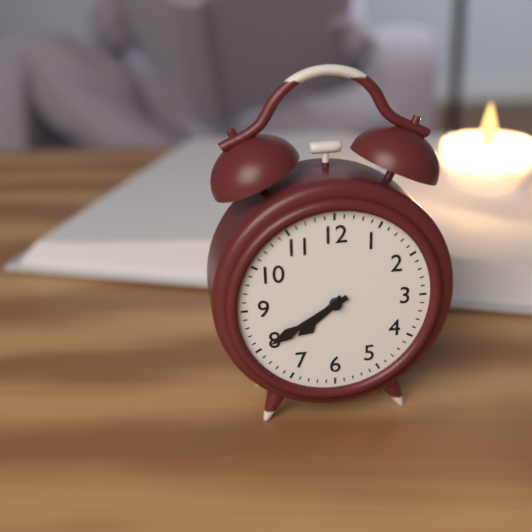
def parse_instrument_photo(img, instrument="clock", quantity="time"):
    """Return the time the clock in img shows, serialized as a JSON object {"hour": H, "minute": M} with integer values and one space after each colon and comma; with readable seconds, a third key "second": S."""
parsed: {"hour": 7, "minute": 40}
